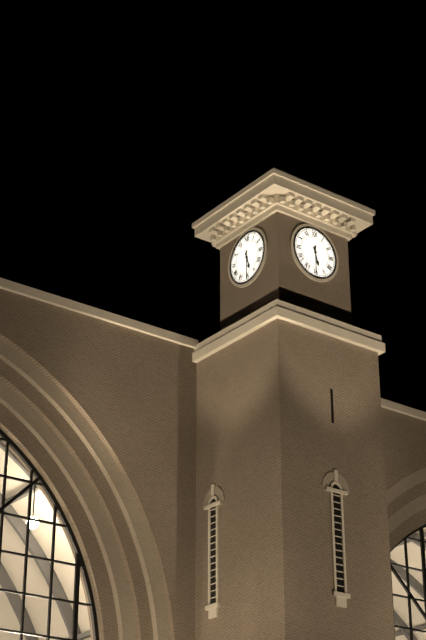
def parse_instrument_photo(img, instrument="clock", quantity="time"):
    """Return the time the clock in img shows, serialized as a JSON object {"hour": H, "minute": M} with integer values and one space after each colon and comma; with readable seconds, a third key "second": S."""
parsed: {"hour": 5, "minute": 30}
